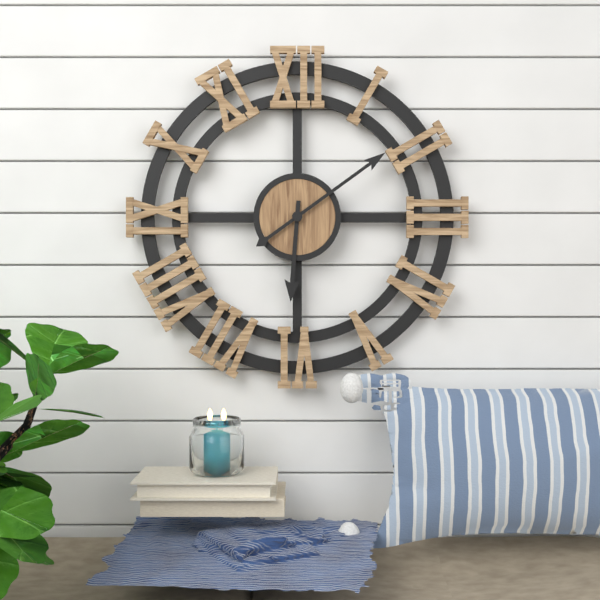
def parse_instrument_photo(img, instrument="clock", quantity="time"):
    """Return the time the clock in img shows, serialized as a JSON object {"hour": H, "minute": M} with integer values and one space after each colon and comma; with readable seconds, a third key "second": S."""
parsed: {"hour": 6, "minute": 9}
